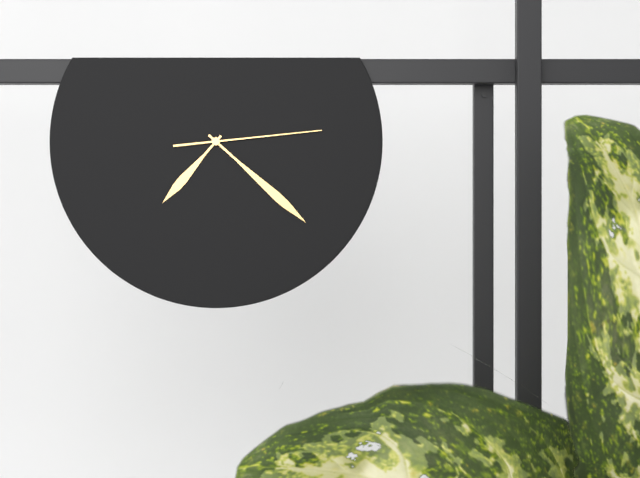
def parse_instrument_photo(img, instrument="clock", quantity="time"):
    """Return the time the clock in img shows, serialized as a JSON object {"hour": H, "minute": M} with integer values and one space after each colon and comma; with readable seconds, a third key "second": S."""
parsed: {"hour": 7, "minute": 22, "second": 14}
